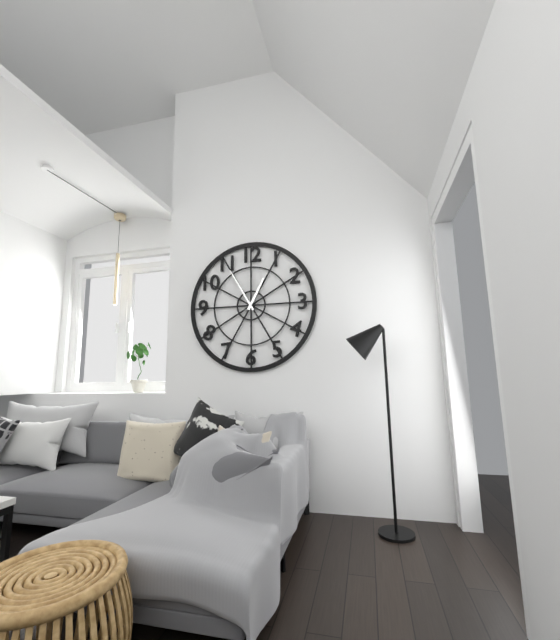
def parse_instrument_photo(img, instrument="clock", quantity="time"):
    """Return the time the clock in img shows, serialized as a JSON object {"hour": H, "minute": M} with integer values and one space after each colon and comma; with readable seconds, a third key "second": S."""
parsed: {"hour": 12, "minute": 55}
